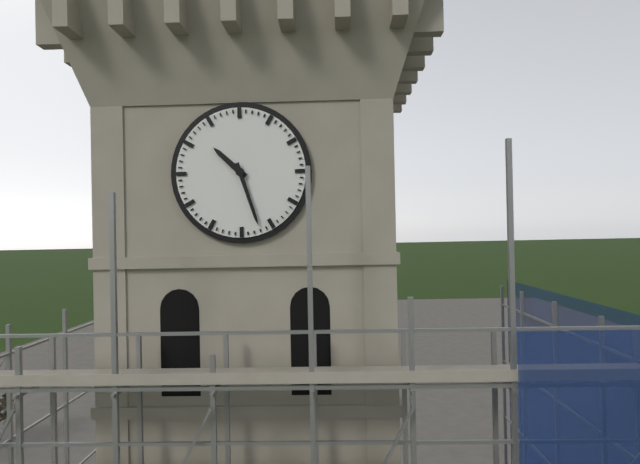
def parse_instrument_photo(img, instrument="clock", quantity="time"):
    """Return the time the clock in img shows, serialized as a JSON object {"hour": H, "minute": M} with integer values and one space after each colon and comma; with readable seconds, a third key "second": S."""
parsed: {"hour": 10, "minute": 27}
